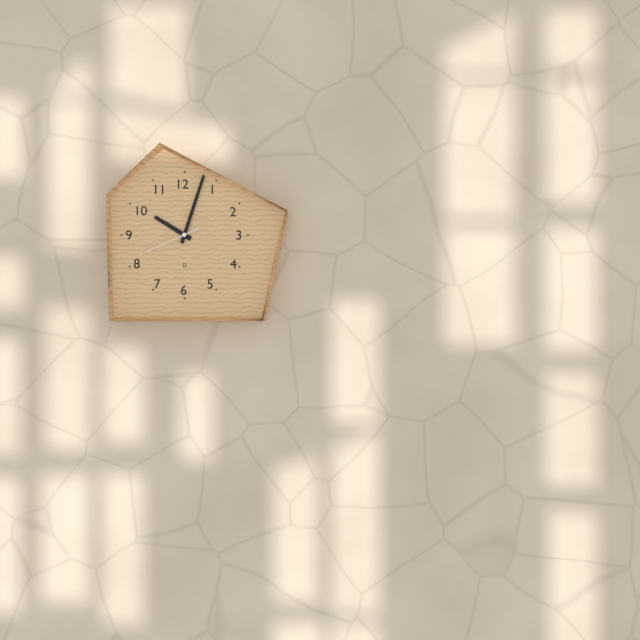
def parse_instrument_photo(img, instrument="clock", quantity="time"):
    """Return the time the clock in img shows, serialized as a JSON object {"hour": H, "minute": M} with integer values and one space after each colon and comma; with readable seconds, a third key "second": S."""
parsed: {"hour": 10, "minute": 3, "second": 41}
